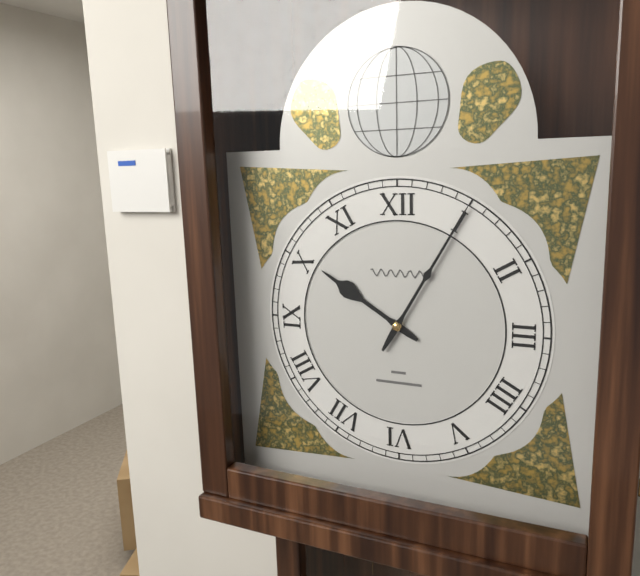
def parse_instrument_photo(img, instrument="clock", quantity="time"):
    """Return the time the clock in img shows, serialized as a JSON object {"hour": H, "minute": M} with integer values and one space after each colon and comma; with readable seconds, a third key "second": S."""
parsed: {"hour": 10, "minute": 5}
